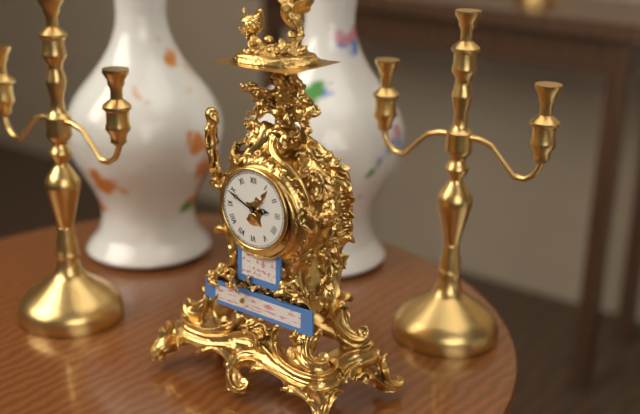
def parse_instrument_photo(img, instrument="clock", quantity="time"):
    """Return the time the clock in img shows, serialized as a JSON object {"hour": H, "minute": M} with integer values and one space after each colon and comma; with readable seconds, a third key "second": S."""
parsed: {"hour": 2, "minute": 49}
